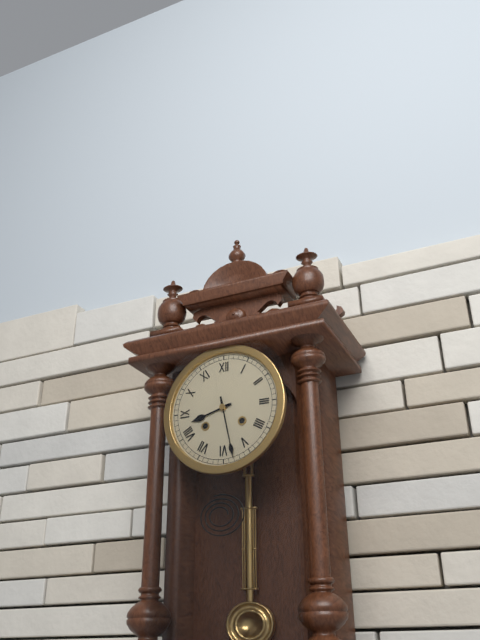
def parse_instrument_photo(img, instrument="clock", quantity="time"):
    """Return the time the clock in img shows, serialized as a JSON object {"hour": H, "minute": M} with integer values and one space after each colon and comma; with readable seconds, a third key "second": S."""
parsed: {"hour": 8, "minute": 28}
